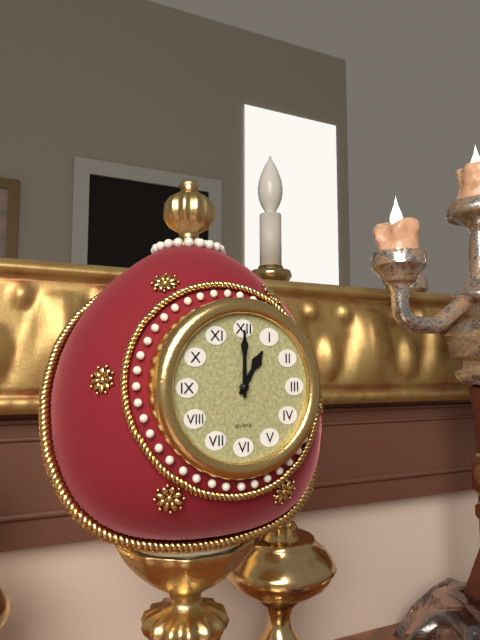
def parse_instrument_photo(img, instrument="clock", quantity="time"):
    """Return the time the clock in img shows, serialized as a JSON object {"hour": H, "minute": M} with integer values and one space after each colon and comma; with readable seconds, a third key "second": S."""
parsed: {"hour": 1, "minute": 0}
